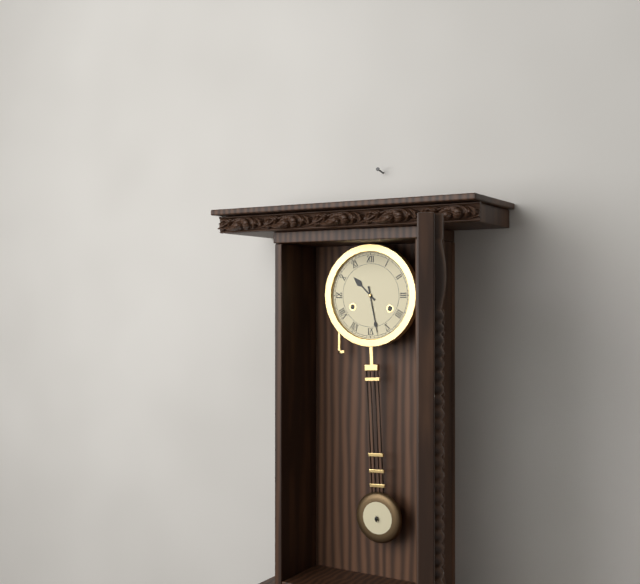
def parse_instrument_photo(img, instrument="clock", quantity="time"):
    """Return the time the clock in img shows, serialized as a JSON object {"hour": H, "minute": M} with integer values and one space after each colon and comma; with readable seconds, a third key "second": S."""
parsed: {"hour": 10, "minute": 28}
